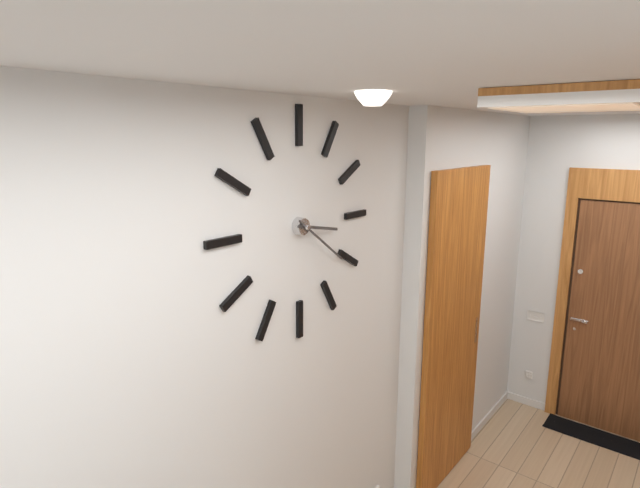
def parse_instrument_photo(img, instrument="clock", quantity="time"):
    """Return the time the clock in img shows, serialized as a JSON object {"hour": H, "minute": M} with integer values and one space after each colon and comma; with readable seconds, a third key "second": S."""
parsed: {"hour": 3, "minute": 21}
